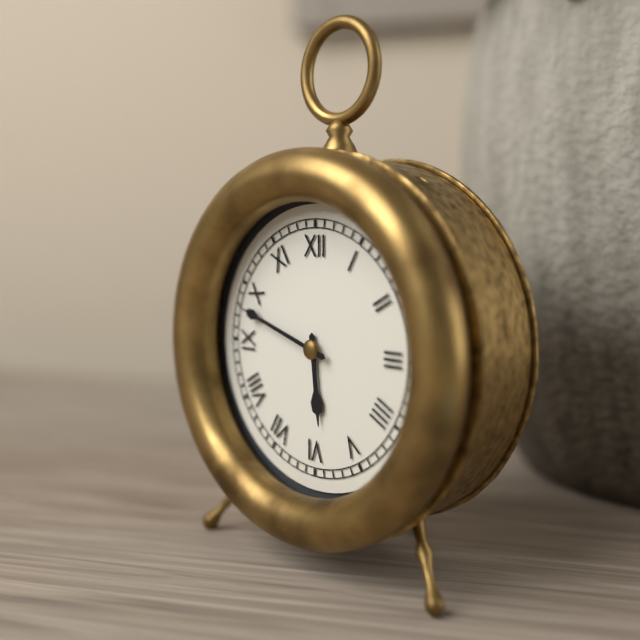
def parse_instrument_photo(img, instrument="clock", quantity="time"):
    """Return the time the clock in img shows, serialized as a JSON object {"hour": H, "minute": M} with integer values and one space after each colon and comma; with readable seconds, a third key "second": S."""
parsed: {"hour": 5, "minute": 48}
